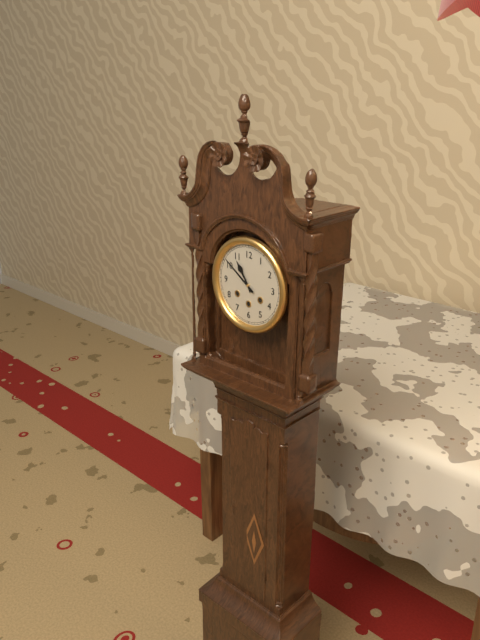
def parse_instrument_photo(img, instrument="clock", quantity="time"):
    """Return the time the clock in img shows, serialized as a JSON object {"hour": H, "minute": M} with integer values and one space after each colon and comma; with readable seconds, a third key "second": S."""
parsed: {"hour": 10, "minute": 51}
